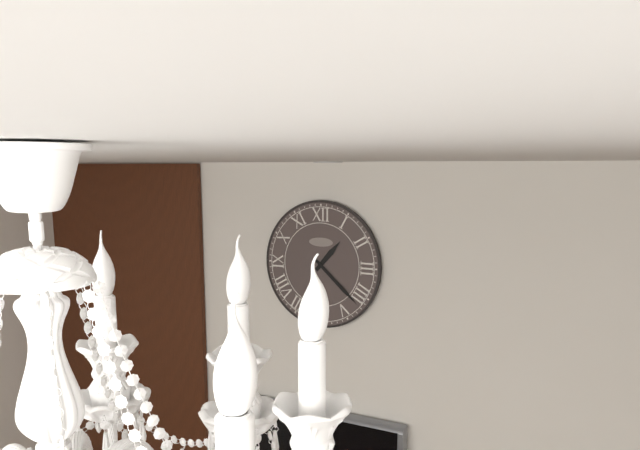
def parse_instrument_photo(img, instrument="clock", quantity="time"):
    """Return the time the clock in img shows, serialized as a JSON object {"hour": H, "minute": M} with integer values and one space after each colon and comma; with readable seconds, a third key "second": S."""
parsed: {"hour": 1, "minute": 22}
